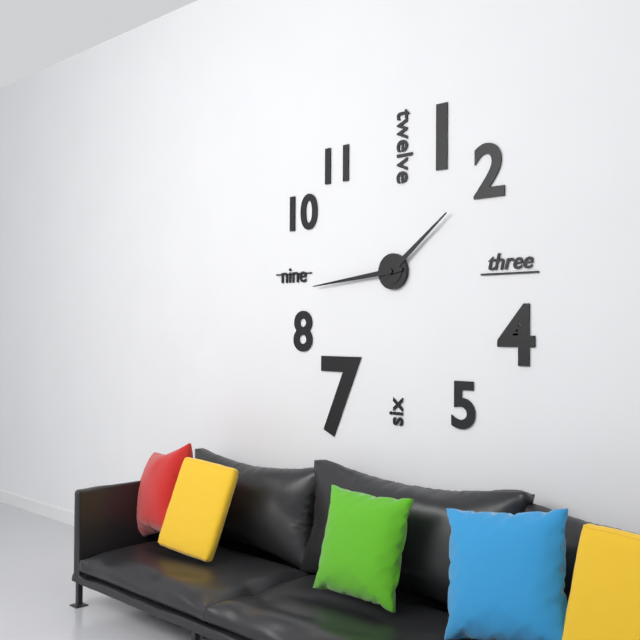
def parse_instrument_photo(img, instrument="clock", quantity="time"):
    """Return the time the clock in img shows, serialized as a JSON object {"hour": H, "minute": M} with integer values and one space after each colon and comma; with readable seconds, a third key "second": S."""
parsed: {"hour": 1, "minute": 44}
